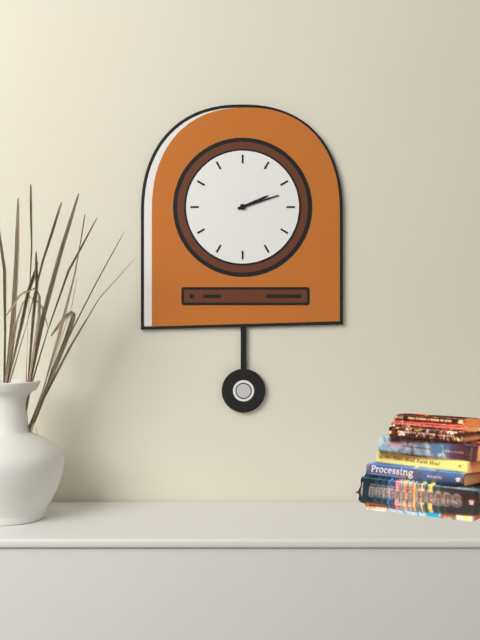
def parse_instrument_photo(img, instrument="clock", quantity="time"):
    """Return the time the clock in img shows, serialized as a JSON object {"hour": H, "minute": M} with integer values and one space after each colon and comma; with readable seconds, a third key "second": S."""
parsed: {"hour": 2, "minute": 12}
